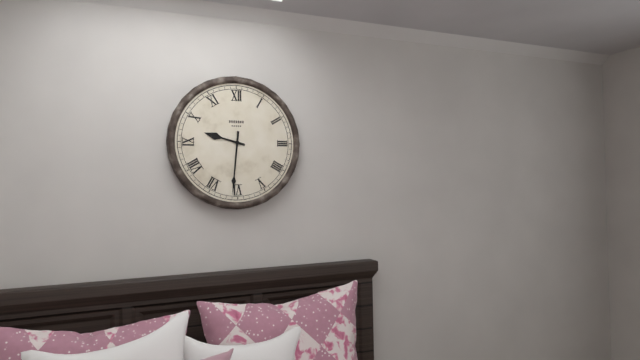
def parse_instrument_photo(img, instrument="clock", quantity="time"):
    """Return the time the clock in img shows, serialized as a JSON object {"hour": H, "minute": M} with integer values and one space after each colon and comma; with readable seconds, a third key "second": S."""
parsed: {"hour": 9, "minute": 31}
